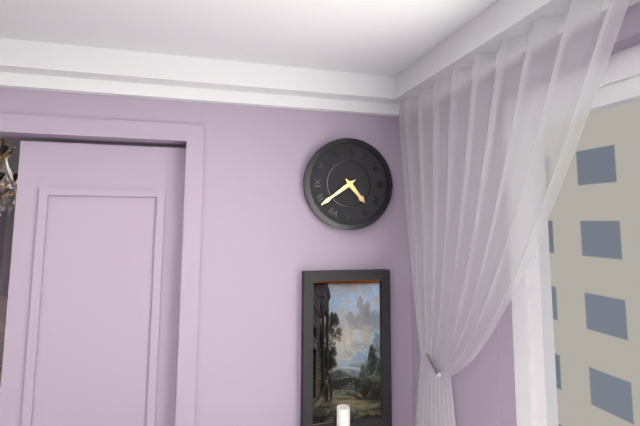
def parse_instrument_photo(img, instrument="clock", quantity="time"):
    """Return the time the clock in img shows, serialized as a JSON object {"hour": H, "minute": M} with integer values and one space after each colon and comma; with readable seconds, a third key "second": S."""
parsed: {"hour": 4, "minute": 39}
